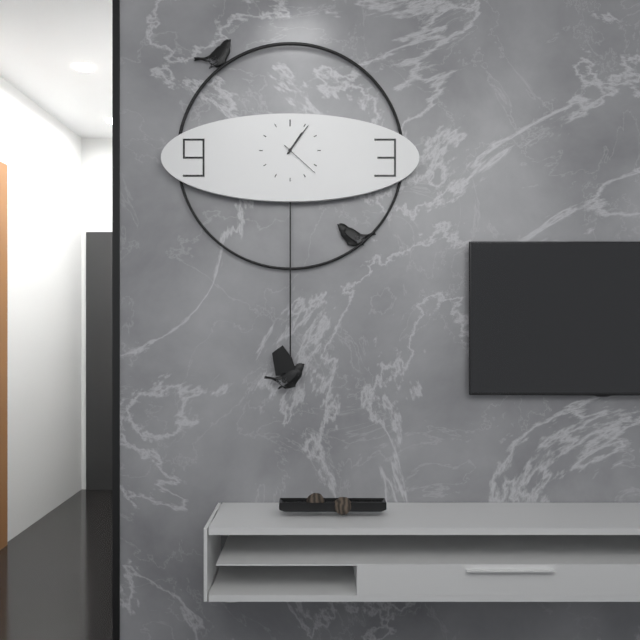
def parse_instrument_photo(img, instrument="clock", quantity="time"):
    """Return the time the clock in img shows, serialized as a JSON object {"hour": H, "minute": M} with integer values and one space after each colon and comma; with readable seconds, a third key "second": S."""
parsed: {"hour": 1, "minute": 6}
